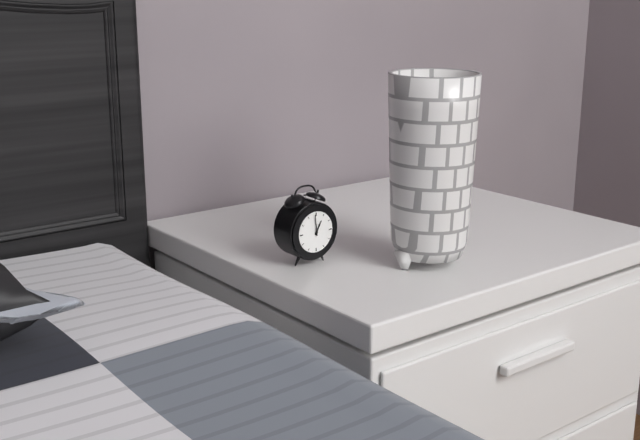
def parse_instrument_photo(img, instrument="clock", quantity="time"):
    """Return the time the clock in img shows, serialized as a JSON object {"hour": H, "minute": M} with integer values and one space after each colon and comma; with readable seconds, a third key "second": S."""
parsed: {"hour": 12, "minute": 59}
